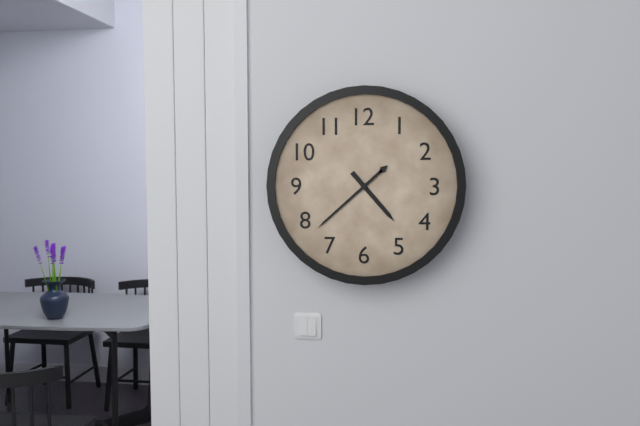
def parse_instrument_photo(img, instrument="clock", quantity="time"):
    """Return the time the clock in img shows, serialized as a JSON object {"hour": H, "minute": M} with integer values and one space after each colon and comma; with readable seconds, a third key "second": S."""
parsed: {"hour": 4, "minute": 38}
